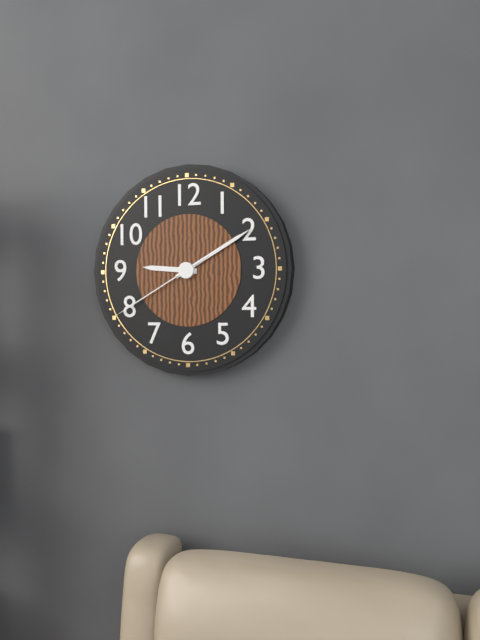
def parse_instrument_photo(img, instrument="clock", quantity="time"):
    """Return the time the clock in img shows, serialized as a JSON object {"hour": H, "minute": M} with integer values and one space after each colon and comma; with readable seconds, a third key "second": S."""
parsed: {"hour": 9, "minute": 10, "second": 40}
